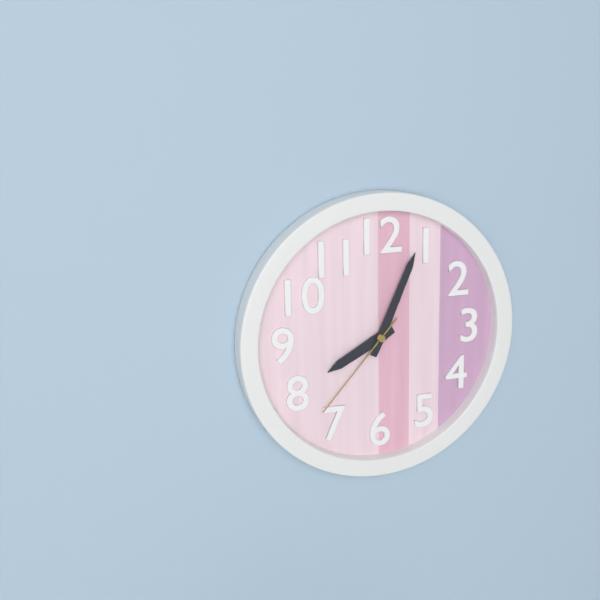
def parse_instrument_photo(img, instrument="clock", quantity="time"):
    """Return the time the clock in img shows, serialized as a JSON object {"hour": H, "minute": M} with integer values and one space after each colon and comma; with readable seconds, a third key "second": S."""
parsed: {"hour": 8, "minute": 4, "second": 37}
